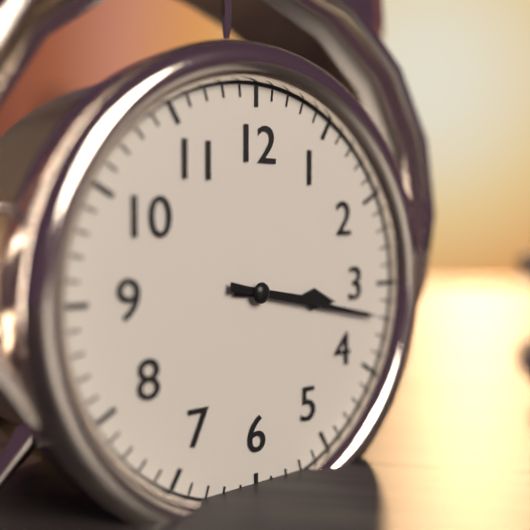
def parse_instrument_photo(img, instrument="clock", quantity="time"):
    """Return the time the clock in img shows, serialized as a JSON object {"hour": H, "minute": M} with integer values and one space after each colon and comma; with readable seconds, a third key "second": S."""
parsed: {"hour": 3, "minute": 17}
